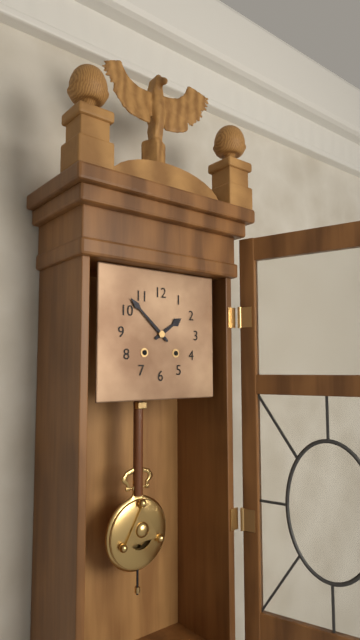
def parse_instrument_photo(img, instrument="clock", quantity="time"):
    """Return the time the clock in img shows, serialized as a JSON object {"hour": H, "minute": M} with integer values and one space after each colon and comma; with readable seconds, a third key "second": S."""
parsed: {"hour": 1, "minute": 52}
